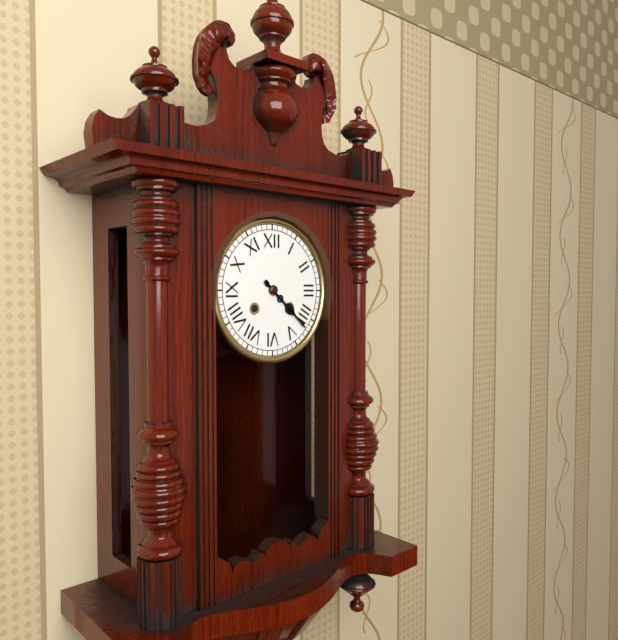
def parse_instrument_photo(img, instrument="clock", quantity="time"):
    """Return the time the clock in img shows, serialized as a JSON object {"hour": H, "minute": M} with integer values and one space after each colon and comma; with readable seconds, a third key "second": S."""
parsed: {"hour": 4, "minute": 22}
